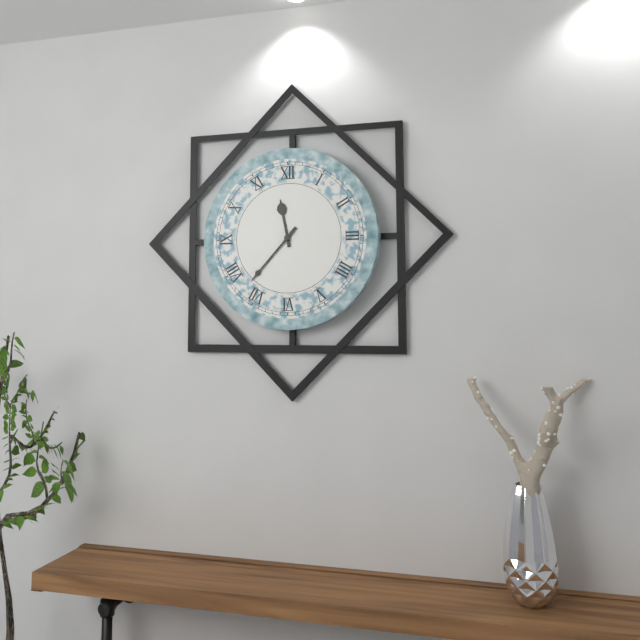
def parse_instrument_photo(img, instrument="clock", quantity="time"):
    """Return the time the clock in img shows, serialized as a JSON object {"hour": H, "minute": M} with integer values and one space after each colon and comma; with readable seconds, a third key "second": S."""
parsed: {"hour": 11, "minute": 37}
